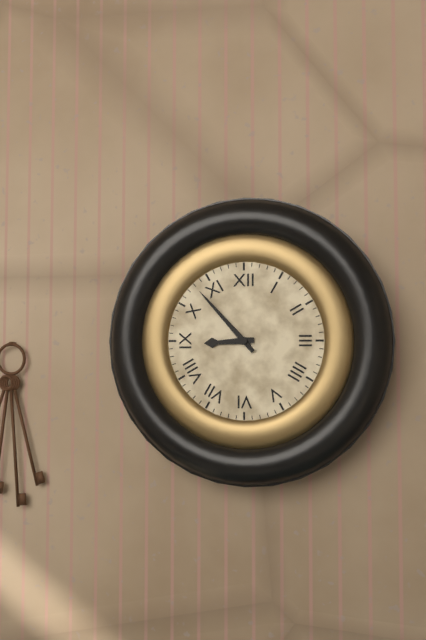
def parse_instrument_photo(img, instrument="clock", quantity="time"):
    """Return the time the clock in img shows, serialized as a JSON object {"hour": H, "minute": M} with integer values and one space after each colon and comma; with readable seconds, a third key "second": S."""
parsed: {"hour": 8, "minute": 53}
